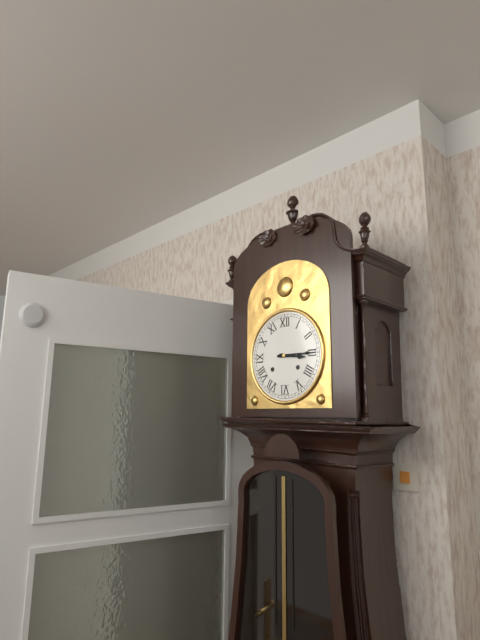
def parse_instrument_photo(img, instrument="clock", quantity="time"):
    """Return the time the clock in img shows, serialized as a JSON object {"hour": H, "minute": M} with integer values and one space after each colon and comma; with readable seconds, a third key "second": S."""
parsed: {"hour": 3, "minute": 15}
